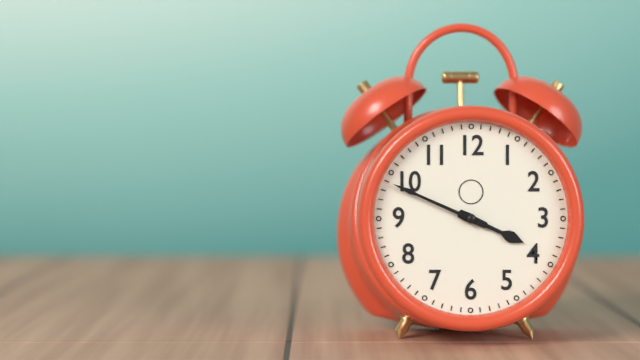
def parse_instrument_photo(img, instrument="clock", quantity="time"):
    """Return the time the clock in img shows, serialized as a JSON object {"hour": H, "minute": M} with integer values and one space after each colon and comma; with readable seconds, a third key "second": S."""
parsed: {"hour": 3, "minute": 49}
